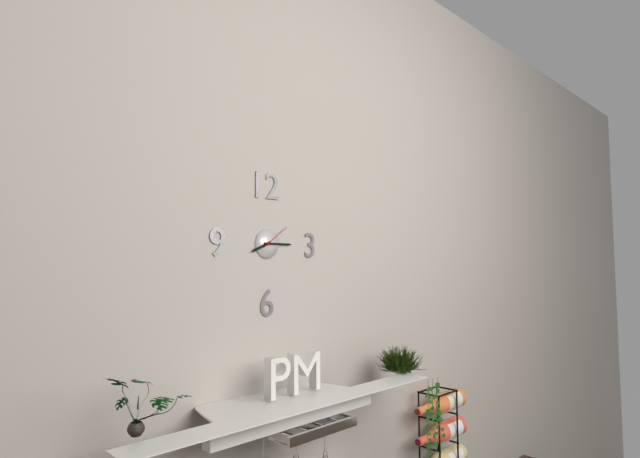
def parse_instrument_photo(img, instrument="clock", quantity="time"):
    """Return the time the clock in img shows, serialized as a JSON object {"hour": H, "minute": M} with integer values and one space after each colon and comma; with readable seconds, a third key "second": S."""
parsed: {"hour": 8, "minute": 15}
